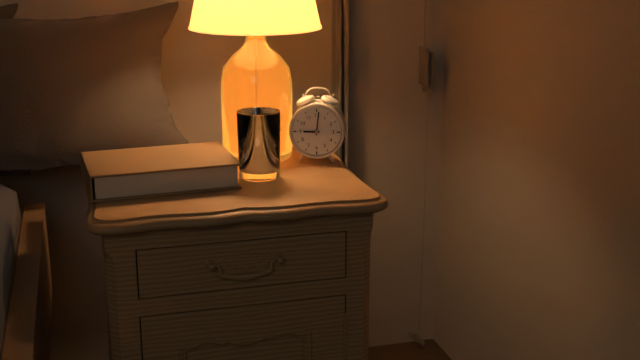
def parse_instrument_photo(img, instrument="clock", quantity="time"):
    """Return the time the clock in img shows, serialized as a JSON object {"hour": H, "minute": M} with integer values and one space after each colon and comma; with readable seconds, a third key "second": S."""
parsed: {"hour": 9, "minute": 1}
